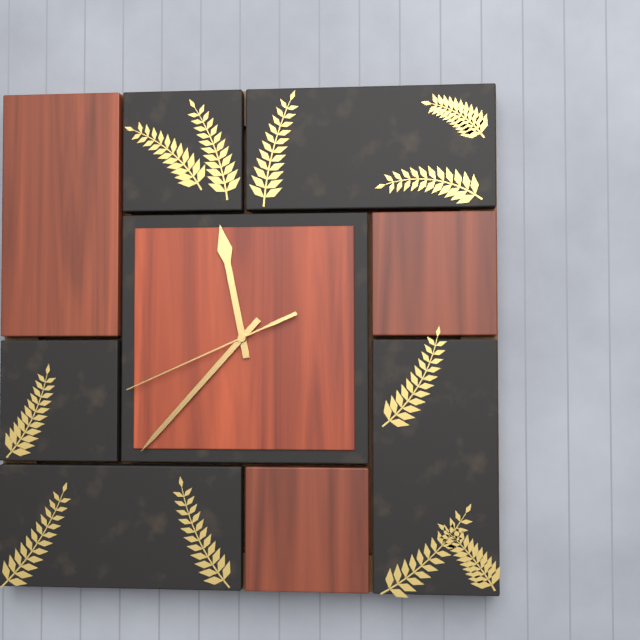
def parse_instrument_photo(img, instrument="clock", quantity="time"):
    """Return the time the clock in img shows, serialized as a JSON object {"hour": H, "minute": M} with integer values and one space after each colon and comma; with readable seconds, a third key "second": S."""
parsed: {"hour": 11, "minute": 37, "second": 41}
